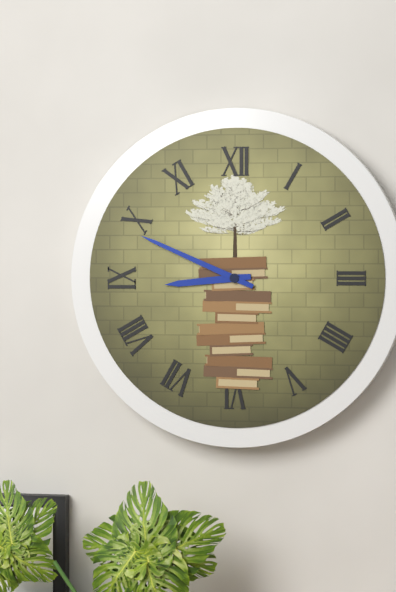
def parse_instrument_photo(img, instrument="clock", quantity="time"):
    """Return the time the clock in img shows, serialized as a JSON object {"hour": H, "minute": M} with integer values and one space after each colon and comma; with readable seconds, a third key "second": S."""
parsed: {"hour": 8, "minute": 49}
